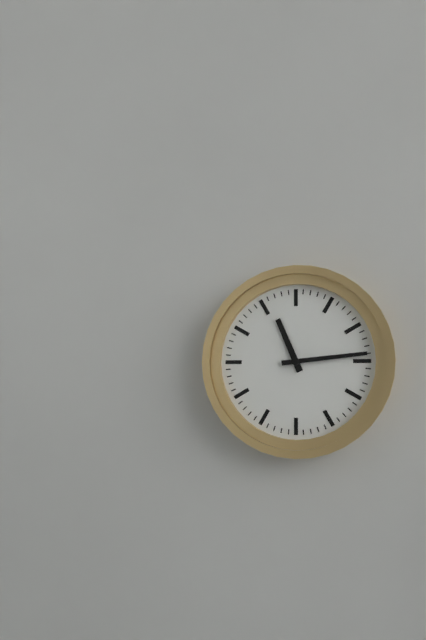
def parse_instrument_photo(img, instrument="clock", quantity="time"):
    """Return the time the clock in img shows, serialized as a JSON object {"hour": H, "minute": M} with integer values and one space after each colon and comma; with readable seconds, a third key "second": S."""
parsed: {"hour": 11, "minute": 14}
